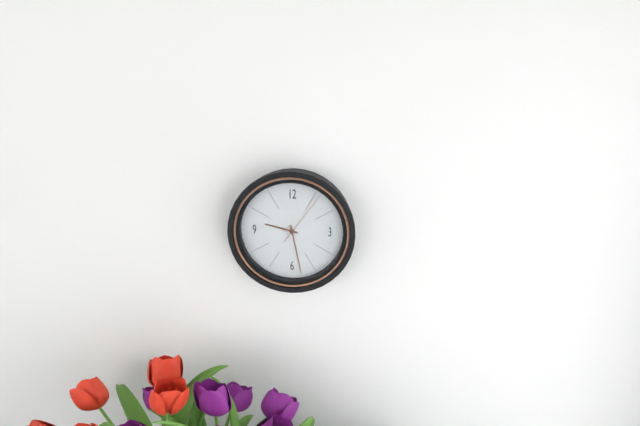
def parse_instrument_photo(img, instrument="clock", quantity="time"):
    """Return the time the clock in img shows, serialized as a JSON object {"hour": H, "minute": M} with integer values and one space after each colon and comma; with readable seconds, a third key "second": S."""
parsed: {"hour": 9, "minute": 28, "second": 6}
